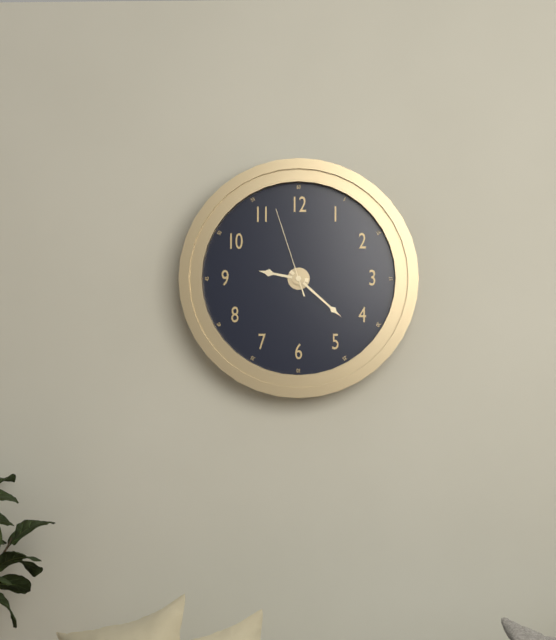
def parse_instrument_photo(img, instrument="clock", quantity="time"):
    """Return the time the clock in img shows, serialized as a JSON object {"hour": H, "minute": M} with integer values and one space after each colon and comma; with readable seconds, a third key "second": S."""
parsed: {"hour": 9, "minute": 22, "second": 57}
